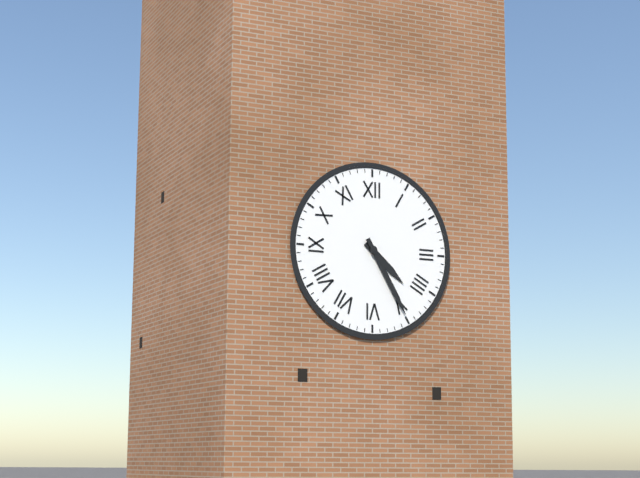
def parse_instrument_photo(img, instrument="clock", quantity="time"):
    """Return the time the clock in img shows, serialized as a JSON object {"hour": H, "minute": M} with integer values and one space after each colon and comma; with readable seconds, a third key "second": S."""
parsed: {"hour": 4, "minute": 25}
